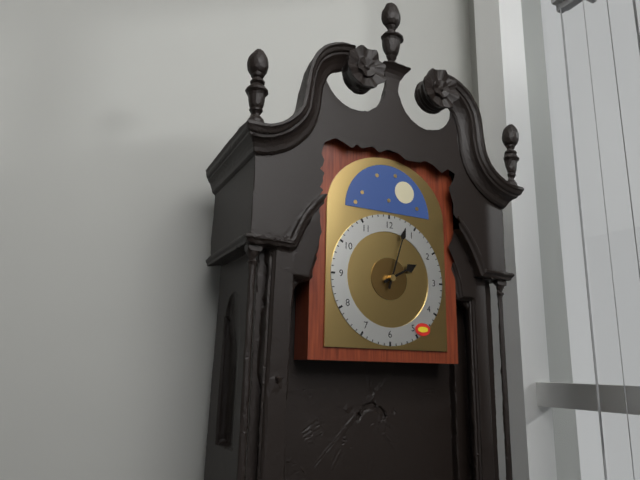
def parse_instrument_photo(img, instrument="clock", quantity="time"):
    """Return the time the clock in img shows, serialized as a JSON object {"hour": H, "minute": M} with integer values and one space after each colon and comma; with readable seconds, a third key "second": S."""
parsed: {"hour": 2, "minute": 3}
